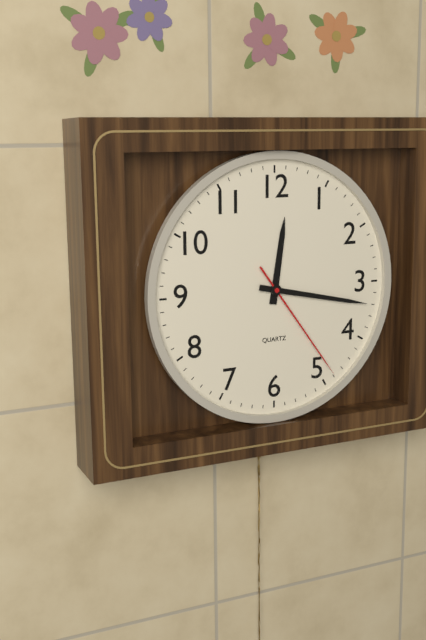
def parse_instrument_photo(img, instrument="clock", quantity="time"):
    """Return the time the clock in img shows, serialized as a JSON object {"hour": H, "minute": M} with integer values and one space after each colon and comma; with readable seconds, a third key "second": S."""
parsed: {"hour": 12, "minute": 17, "second": 24}
